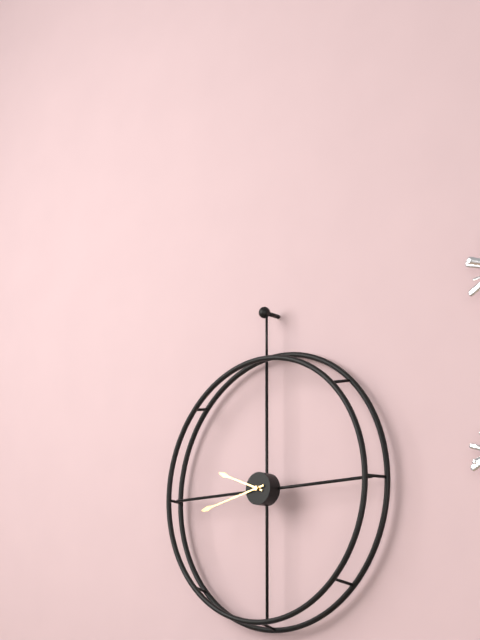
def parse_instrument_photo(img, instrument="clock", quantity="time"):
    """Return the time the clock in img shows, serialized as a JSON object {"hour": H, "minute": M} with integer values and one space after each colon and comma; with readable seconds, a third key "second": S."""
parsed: {"hour": 9, "minute": 43}
